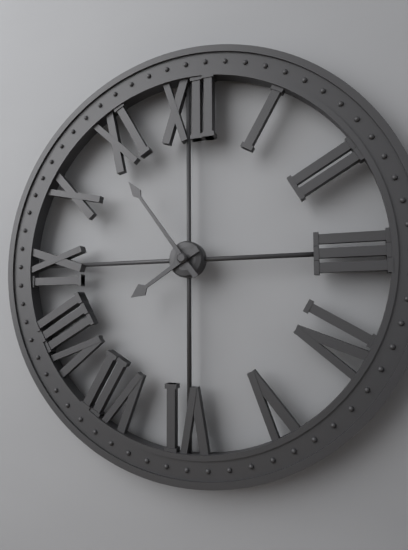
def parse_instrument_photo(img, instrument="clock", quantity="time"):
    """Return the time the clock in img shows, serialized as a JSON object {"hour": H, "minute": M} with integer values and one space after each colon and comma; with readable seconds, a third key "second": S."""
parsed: {"hour": 7, "minute": 54}
